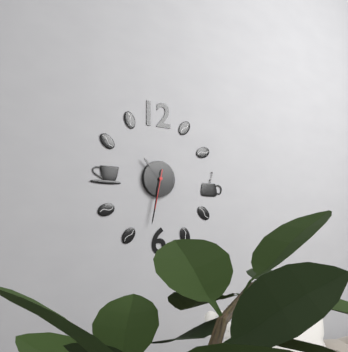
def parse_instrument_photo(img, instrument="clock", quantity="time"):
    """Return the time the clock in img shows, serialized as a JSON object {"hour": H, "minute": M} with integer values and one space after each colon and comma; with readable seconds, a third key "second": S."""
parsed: {"hour": 10, "minute": 32}
